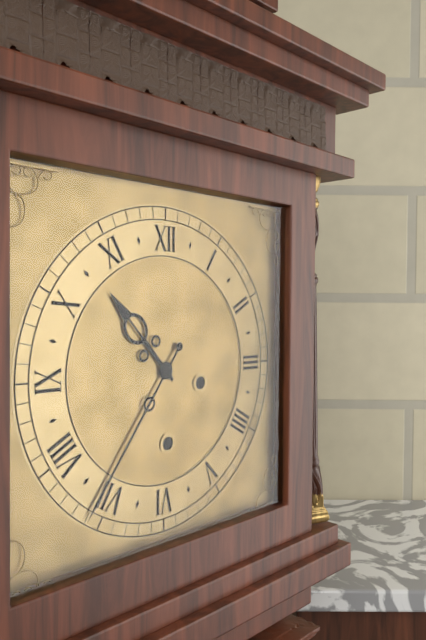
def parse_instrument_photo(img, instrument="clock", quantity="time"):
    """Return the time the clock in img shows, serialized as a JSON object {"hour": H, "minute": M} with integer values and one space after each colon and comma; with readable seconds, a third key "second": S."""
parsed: {"hour": 10, "minute": 36}
